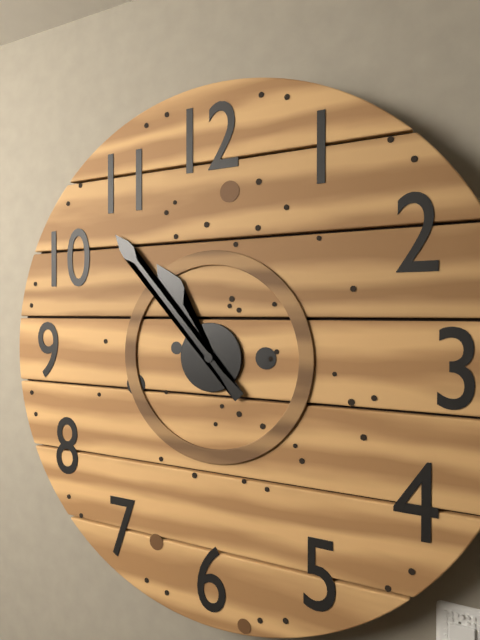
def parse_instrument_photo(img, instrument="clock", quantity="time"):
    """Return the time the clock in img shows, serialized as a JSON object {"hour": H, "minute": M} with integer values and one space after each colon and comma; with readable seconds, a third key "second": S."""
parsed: {"hour": 10, "minute": 53}
